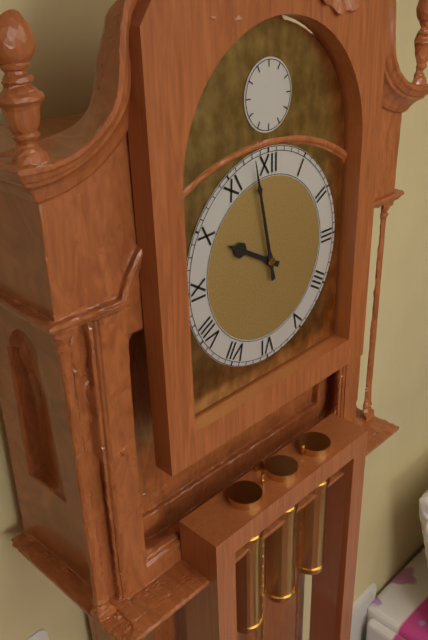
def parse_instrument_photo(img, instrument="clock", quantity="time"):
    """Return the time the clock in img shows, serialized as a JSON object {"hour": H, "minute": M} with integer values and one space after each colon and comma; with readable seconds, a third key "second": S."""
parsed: {"hour": 9, "minute": 58}
